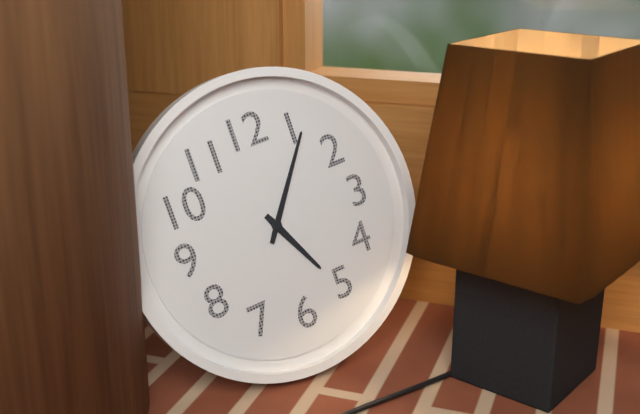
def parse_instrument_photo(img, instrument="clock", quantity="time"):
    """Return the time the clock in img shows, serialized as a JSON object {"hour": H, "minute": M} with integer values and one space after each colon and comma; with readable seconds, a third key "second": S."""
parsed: {"hour": 5, "minute": 6}
